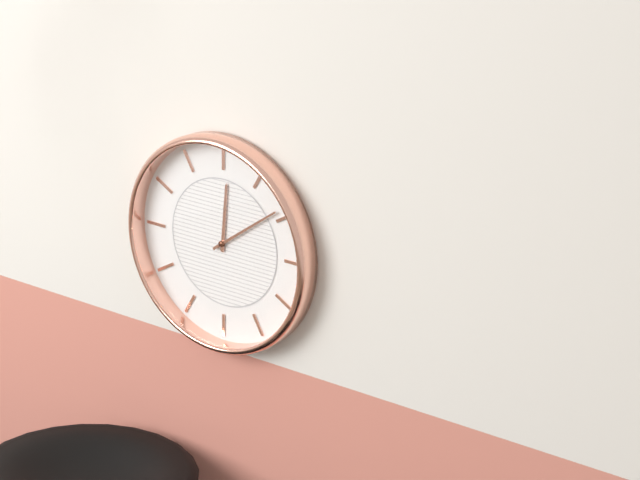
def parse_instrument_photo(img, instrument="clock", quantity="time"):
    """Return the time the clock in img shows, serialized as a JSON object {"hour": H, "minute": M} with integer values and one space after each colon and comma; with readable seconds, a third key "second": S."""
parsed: {"hour": 12, "minute": 9}
